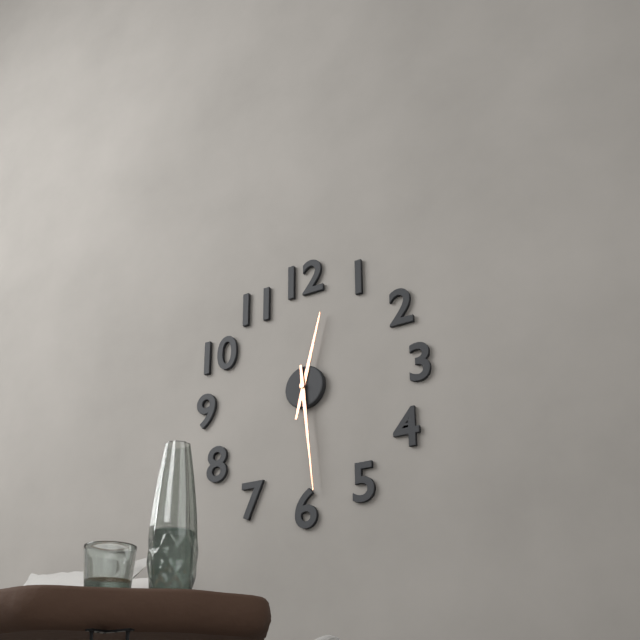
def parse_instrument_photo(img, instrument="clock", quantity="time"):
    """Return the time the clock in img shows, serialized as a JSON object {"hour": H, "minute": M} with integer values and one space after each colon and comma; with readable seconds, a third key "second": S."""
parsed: {"hour": 12, "minute": 29}
